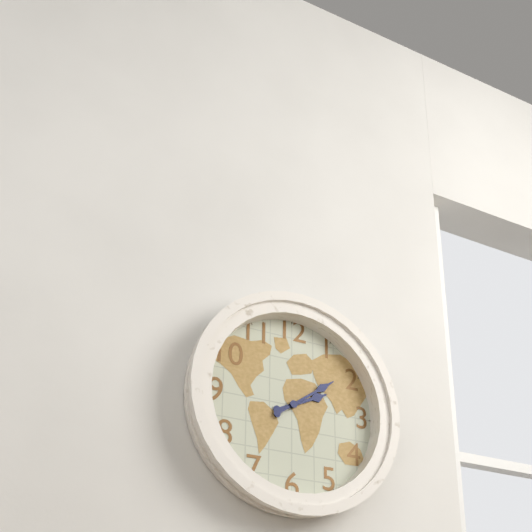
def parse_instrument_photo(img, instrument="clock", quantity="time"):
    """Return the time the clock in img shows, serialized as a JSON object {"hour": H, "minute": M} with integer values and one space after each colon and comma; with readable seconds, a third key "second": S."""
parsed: {"hour": 2, "minute": 9}
